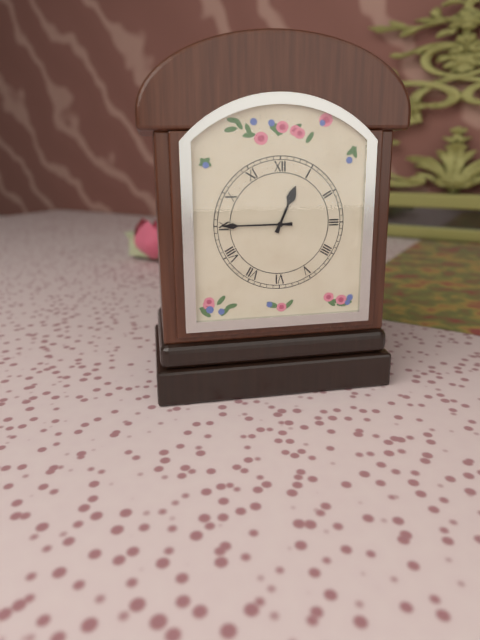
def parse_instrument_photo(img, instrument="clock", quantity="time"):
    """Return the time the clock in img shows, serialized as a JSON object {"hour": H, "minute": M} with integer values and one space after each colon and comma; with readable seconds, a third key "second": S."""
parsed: {"hour": 12, "minute": 45}
